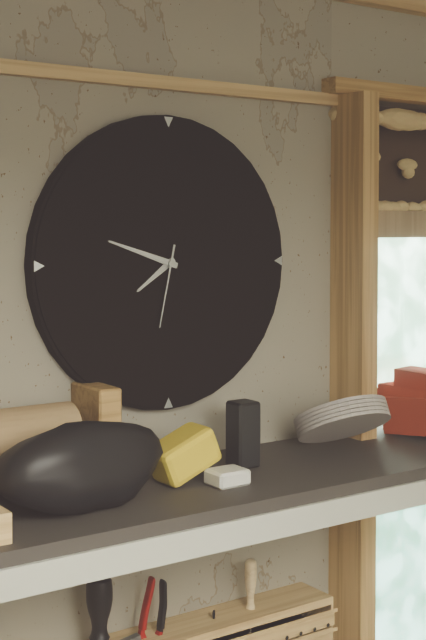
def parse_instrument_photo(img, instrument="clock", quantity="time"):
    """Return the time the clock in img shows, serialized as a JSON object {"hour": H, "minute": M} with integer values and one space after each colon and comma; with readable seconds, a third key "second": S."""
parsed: {"hour": 7, "minute": 48, "second": 32}
